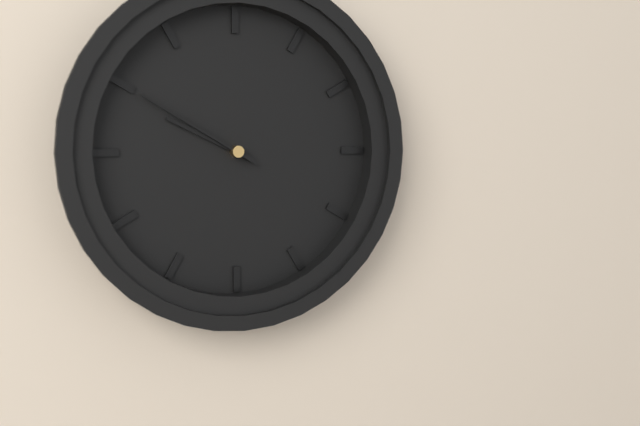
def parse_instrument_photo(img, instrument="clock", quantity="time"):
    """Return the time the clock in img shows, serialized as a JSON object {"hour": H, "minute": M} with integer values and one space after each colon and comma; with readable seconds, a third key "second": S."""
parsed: {"hour": 9, "minute": 50}
